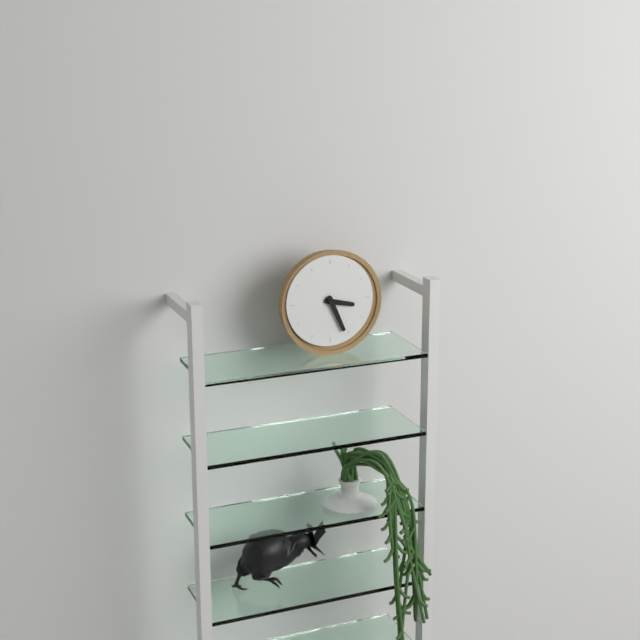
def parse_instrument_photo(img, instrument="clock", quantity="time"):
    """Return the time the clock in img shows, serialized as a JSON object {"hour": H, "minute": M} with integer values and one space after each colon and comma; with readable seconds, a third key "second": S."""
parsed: {"hour": 3, "minute": 26}
